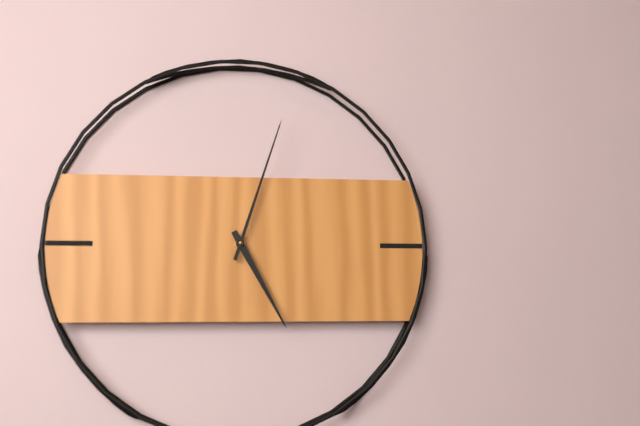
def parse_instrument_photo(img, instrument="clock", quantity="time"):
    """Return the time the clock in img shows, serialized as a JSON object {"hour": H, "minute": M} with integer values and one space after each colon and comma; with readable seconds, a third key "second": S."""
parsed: {"hour": 5, "minute": 3}
